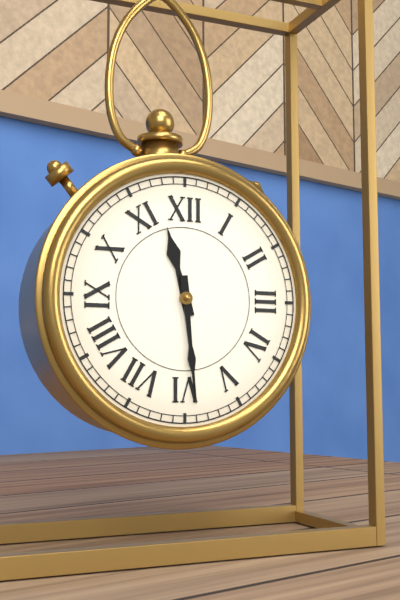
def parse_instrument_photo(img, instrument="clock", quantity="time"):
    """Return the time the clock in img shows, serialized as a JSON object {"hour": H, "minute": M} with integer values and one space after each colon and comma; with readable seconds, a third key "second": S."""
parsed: {"hour": 11, "minute": 29}
